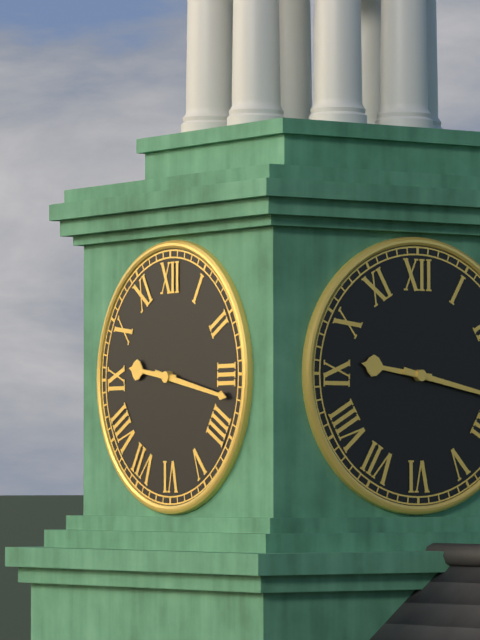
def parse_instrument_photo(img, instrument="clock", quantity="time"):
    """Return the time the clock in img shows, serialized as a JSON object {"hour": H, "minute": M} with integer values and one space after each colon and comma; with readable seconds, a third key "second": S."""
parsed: {"hour": 9, "minute": 17}
